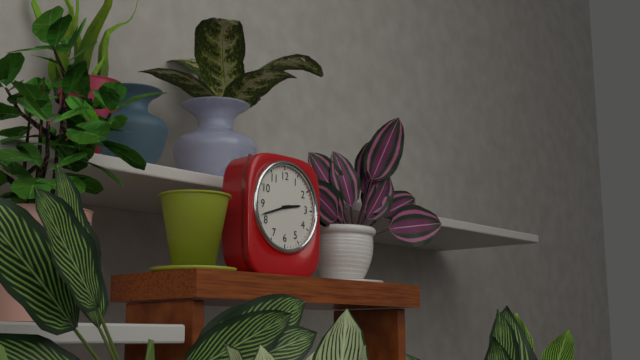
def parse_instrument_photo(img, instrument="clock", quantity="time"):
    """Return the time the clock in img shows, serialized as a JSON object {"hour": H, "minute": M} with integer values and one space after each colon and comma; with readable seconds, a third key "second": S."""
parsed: {"hour": 2, "minute": 42}
